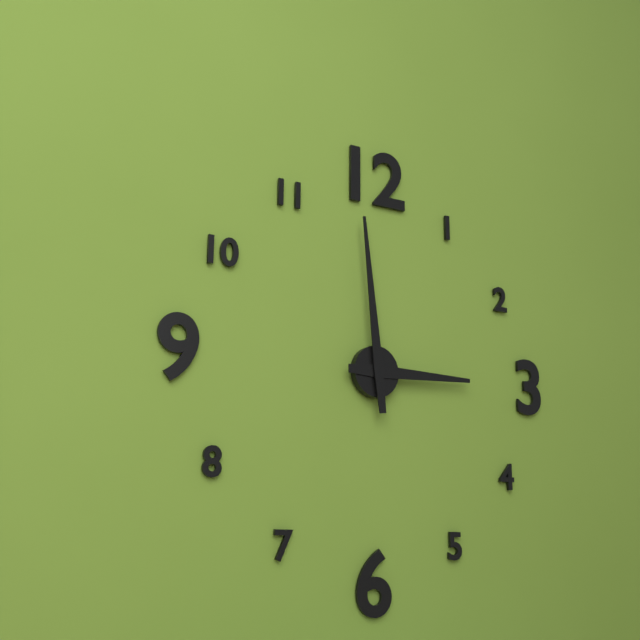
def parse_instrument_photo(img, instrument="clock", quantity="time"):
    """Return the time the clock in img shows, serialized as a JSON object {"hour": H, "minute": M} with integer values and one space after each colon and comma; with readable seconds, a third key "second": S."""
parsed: {"hour": 2, "minute": 59}
